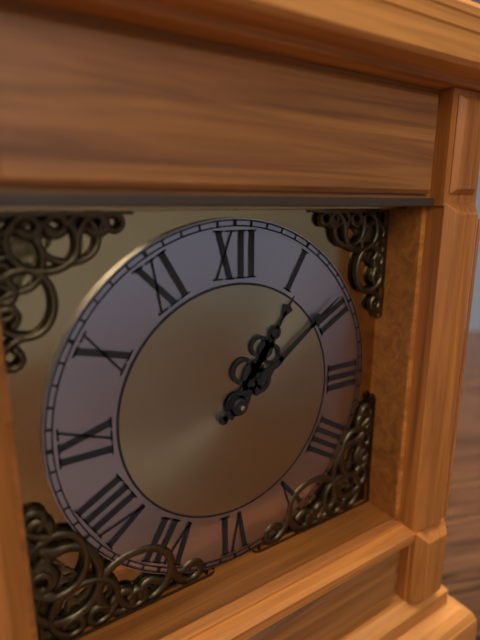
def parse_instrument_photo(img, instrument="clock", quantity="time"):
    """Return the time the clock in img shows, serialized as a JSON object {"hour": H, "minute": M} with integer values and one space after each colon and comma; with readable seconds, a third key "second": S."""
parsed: {"hour": 1, "minute": 9}
